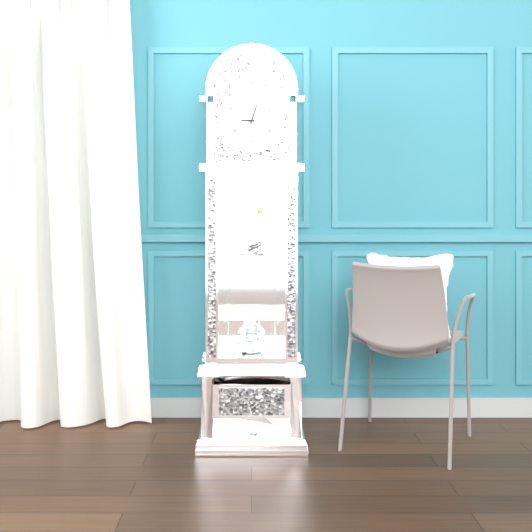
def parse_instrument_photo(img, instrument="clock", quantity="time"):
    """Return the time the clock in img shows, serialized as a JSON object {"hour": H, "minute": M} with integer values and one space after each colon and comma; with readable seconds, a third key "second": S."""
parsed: {"hour": 9, "minute": 3}
